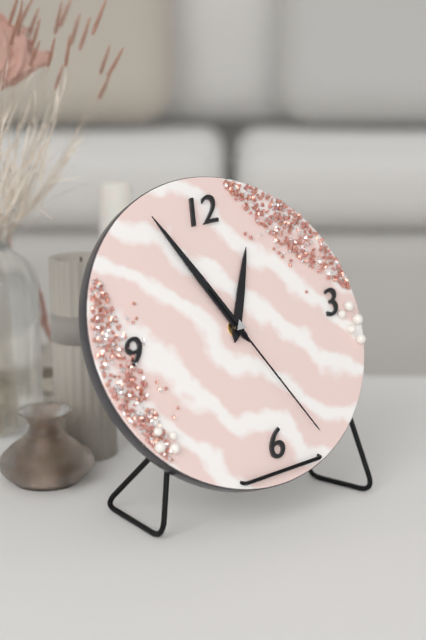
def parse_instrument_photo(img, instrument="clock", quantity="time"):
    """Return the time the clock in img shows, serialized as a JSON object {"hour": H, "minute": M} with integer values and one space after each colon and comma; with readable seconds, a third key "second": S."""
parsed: {"hour": 12, "minute": 56, "second": 26}
